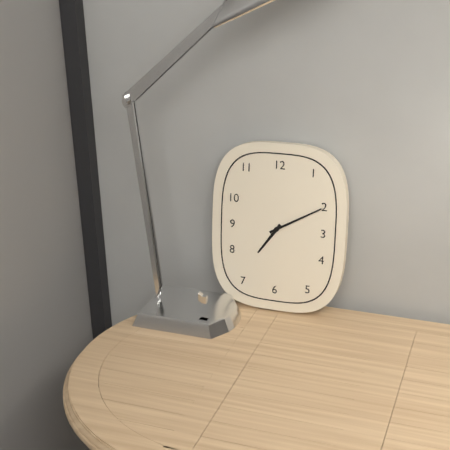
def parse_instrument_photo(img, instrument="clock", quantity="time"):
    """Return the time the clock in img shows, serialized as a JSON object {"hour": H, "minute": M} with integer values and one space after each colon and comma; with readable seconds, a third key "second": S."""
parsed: {"hour": 7, "minute": 10}
